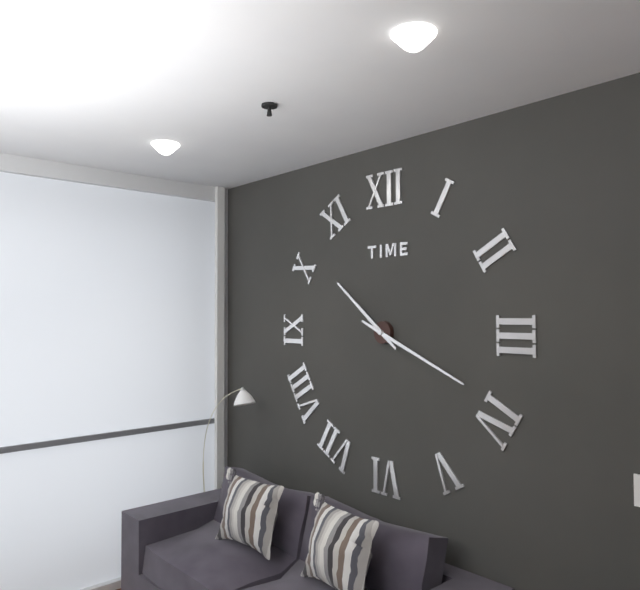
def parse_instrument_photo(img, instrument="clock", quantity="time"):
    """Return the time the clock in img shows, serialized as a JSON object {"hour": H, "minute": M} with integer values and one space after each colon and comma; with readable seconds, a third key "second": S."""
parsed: {"hour": 10, "minute": 19}
